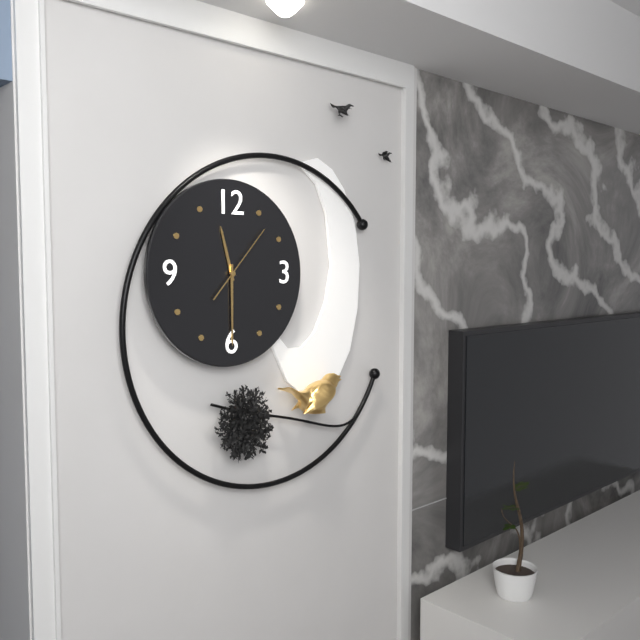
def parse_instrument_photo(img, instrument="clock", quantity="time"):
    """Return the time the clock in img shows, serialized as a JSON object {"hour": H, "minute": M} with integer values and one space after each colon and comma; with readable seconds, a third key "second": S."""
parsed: {"hour": 11, "minute": 30, "second": 7}
